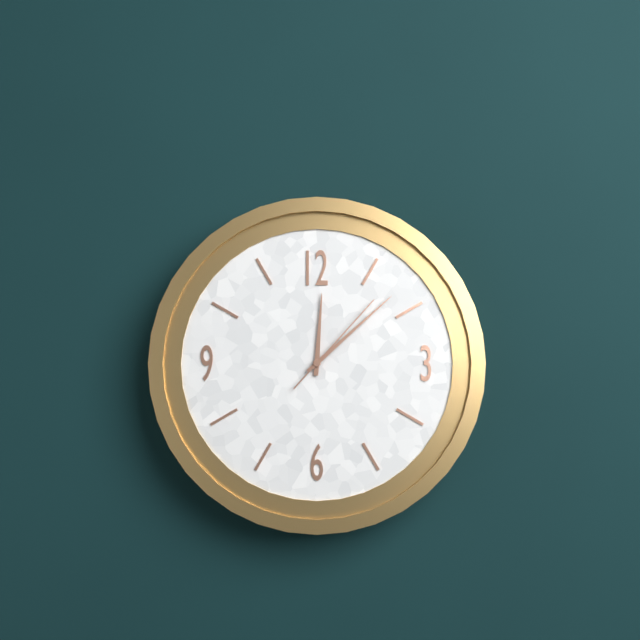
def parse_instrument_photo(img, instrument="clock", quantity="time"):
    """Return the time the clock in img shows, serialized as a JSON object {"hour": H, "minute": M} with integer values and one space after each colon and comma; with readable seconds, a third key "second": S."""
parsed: {"hour": 12, "minute": 8, "second": 7}
